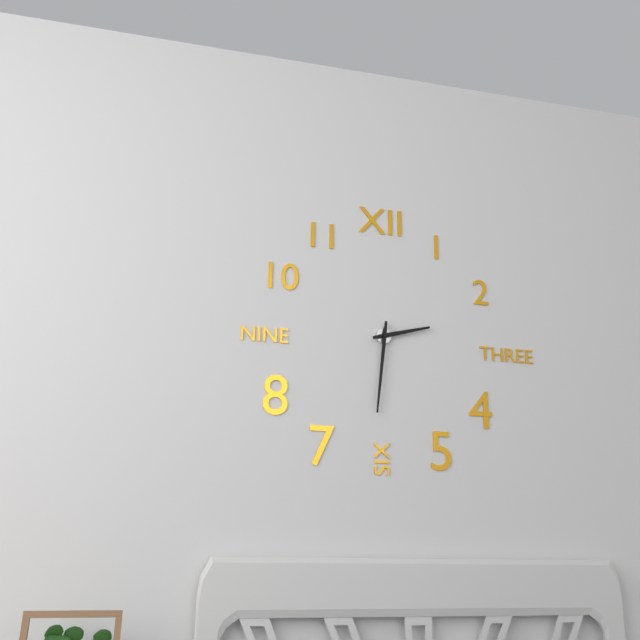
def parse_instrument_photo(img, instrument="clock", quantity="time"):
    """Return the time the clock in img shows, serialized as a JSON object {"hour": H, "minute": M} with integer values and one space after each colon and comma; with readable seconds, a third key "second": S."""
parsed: {"hour": 2, "minute": 31}
